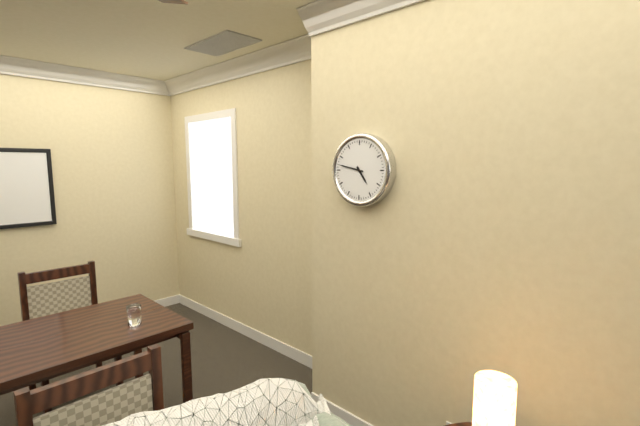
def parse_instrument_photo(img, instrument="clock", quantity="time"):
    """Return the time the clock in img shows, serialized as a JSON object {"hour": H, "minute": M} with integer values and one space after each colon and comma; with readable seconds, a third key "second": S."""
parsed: {"hour": 4, "minute": 47}
